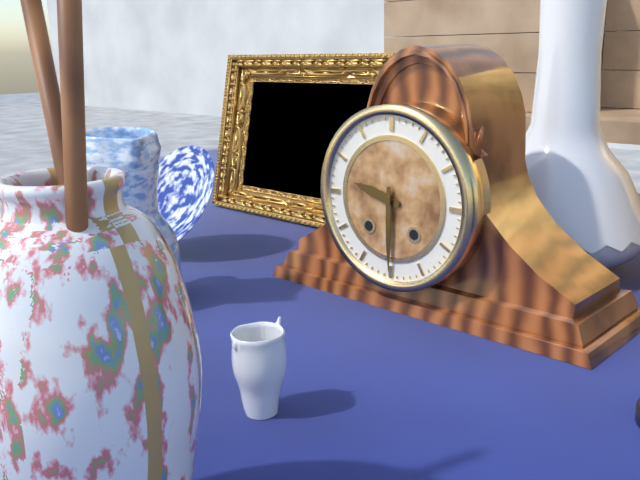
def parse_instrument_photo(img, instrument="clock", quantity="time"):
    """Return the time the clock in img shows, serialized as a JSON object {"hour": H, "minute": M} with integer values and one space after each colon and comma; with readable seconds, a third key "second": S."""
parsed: {"hour": 9, "minute": 30}
